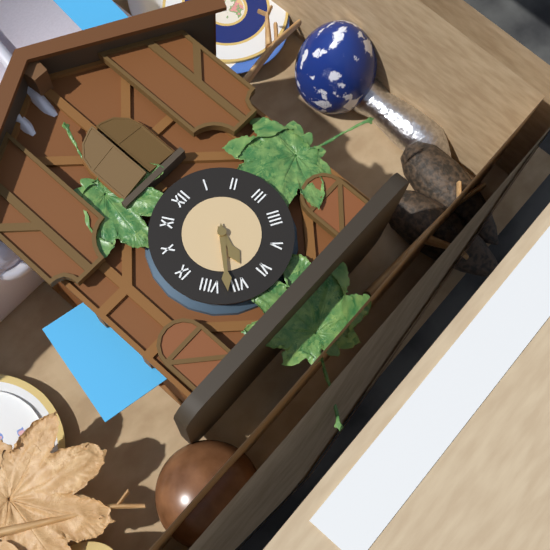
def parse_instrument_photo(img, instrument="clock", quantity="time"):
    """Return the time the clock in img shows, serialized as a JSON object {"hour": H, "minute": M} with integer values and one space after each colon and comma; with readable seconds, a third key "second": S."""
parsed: {"hour": 6, "minute": 37}
